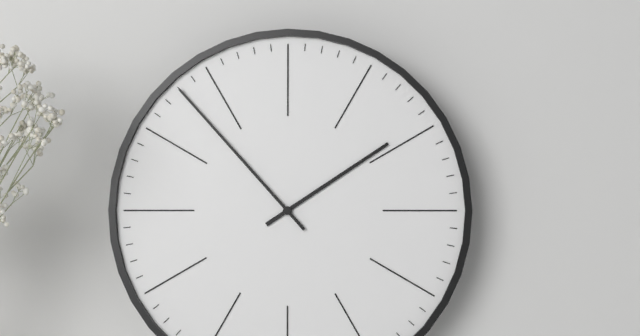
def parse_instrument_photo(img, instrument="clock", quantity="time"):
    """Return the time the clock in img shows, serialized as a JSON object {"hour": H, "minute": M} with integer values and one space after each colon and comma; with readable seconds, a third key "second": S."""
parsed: {"hour": 1, "minute": 53}
